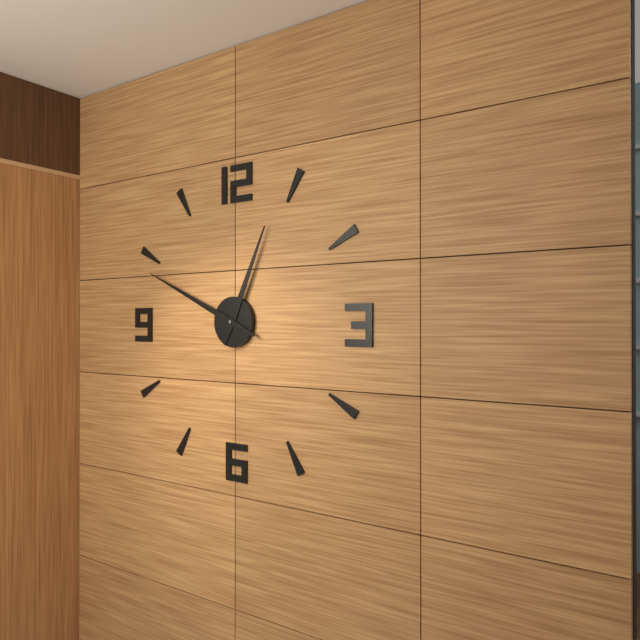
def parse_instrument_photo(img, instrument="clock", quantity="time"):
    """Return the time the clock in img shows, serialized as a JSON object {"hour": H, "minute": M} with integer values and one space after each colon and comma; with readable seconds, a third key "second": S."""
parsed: {"hour": 12, "minute": 49}
